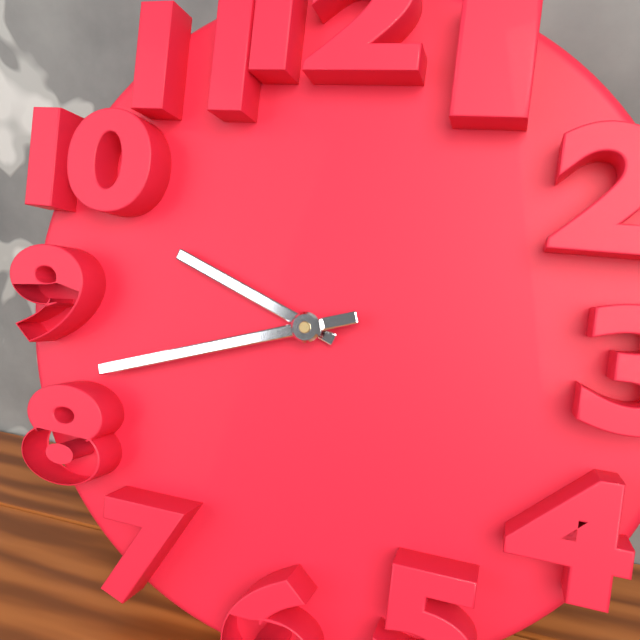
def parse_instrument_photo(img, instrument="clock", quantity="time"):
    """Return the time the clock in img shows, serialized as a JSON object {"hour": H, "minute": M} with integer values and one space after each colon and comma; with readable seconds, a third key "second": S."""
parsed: {"hour": 9, "minute": 42}
